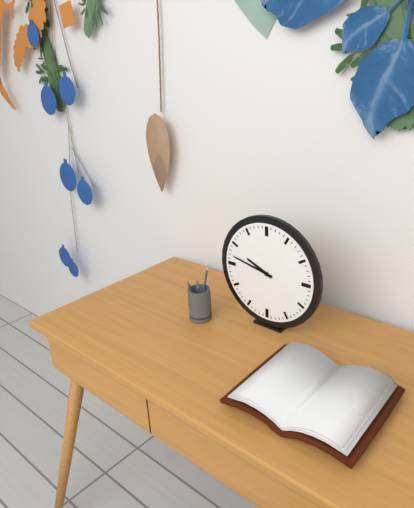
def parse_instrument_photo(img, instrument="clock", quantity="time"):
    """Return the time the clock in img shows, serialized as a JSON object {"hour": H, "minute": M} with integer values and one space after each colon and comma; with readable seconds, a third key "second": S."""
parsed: {"hour": 9, "minute": 47}
